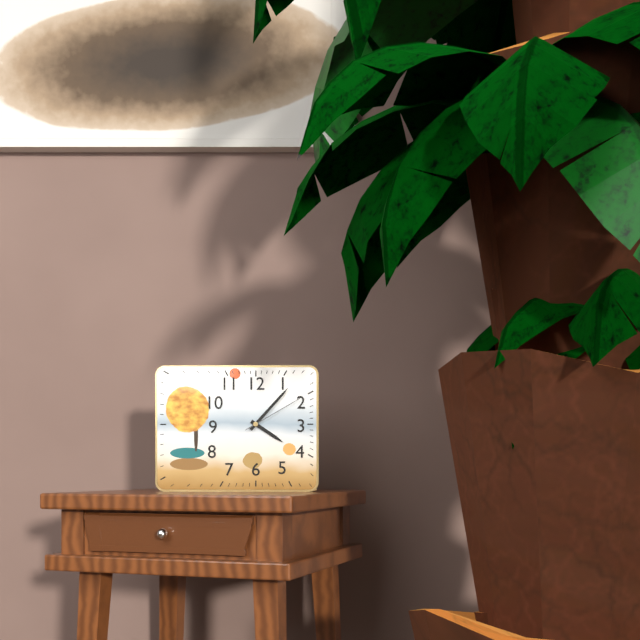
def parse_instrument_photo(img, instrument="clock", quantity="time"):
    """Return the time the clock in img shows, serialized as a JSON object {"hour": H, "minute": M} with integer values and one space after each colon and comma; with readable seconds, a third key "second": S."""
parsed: {"hour": 4, "minute": 7, "second": 10}
